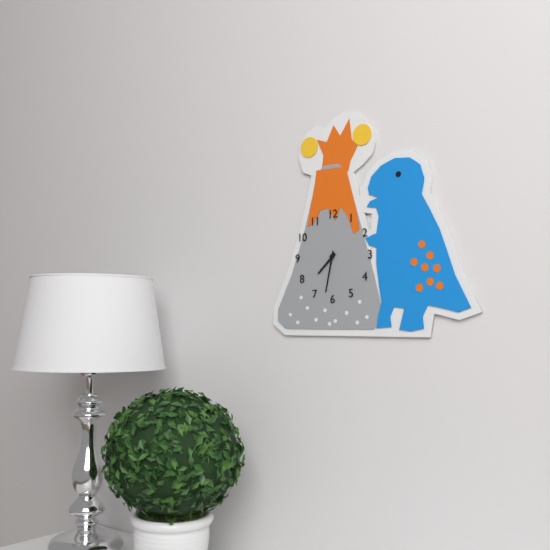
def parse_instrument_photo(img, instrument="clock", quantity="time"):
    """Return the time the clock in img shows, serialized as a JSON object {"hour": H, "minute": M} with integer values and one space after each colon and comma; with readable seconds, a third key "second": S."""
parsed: {"hour": 7, "minute": 32}
